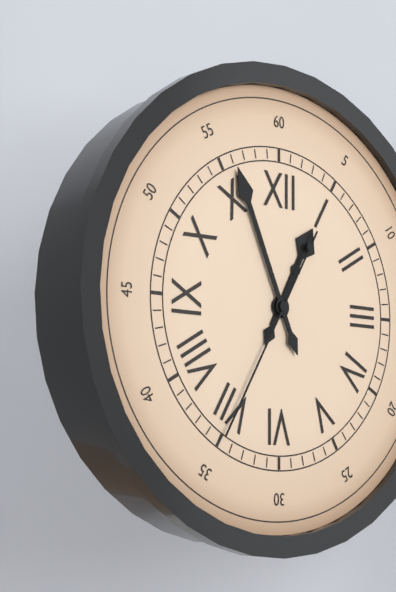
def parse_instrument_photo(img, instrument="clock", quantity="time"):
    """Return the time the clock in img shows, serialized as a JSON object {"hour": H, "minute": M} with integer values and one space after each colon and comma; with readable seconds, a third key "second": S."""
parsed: {"hour": 12, "minute": 56, "second": 35}
